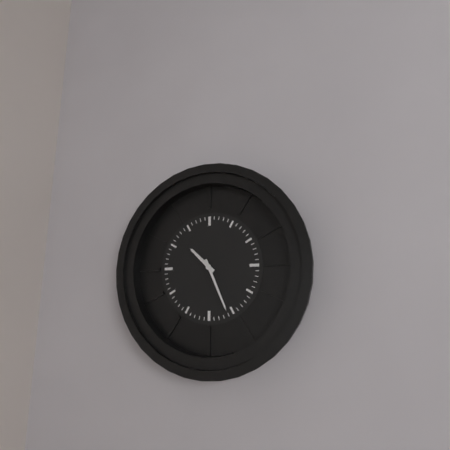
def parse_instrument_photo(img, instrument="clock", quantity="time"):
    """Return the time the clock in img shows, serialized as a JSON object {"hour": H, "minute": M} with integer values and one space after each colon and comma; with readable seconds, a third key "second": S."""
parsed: {"hour": 10, "minute": 26}
